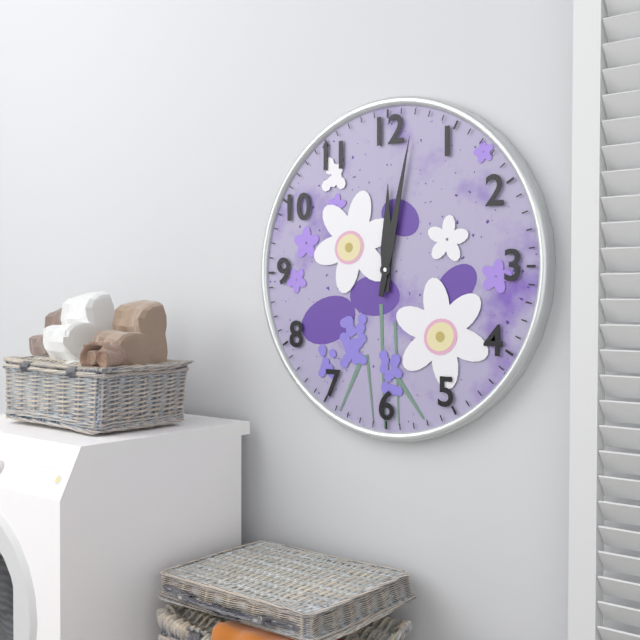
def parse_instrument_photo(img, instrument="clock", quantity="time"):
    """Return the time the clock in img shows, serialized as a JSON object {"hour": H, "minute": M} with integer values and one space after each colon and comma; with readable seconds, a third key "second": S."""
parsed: {"hour": 12, "minute": 2}
